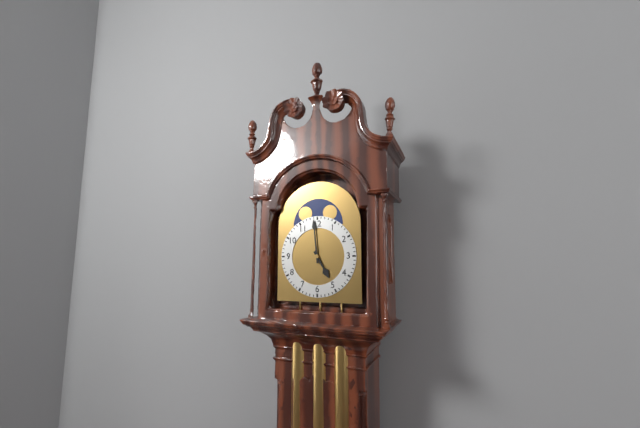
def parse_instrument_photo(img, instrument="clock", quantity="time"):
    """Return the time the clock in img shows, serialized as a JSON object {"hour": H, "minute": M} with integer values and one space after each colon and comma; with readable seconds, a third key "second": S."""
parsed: {"hour": 4, "minute": 59}
